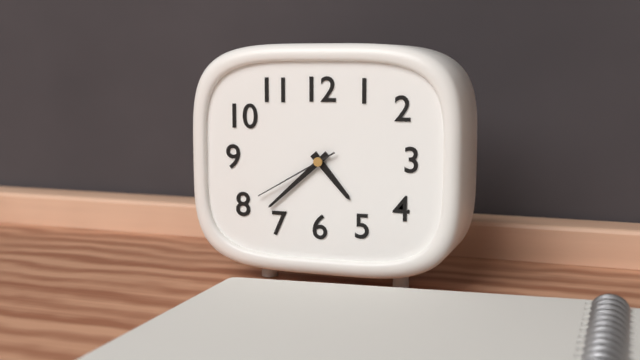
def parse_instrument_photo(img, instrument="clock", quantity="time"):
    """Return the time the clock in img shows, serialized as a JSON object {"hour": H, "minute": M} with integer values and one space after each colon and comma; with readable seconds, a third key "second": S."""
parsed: {"hour": 4, "minute": 38, "second": 40}
